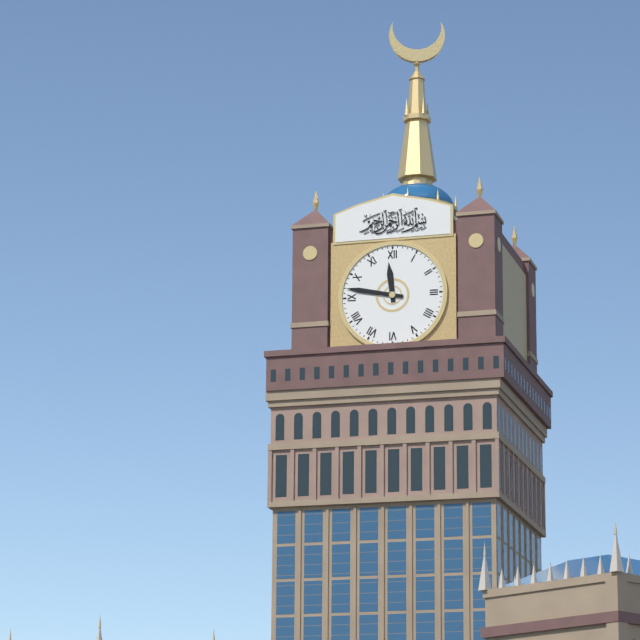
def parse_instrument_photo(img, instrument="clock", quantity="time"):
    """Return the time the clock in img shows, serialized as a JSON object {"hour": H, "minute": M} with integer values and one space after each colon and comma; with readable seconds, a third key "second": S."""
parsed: {"hour": 11, "minute": 47}
